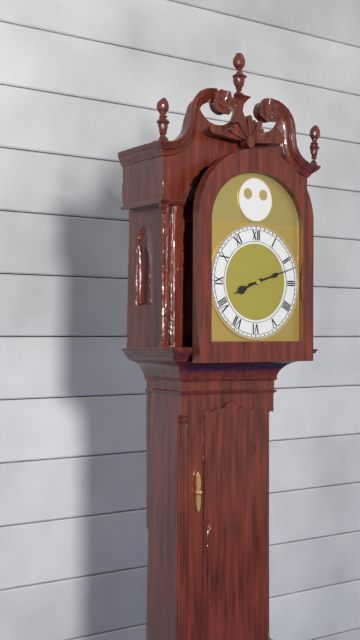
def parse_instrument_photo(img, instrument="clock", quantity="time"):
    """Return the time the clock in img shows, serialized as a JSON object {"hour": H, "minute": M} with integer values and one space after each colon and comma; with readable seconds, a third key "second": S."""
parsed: {"hour": 8, "minute": 12}
